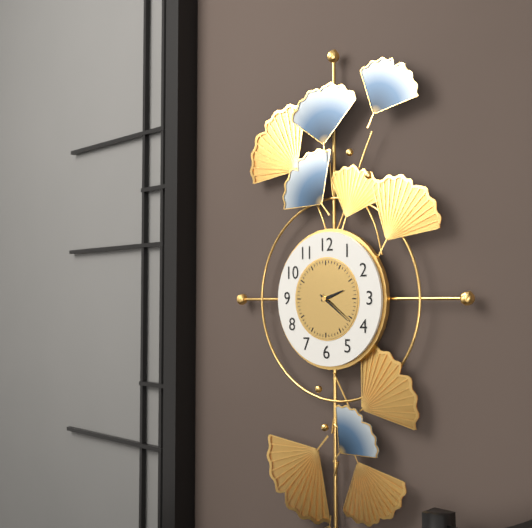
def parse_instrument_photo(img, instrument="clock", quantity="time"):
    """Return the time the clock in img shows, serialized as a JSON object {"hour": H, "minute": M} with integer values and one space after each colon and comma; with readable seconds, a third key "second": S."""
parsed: {"hour": 2, "minute": 21}
